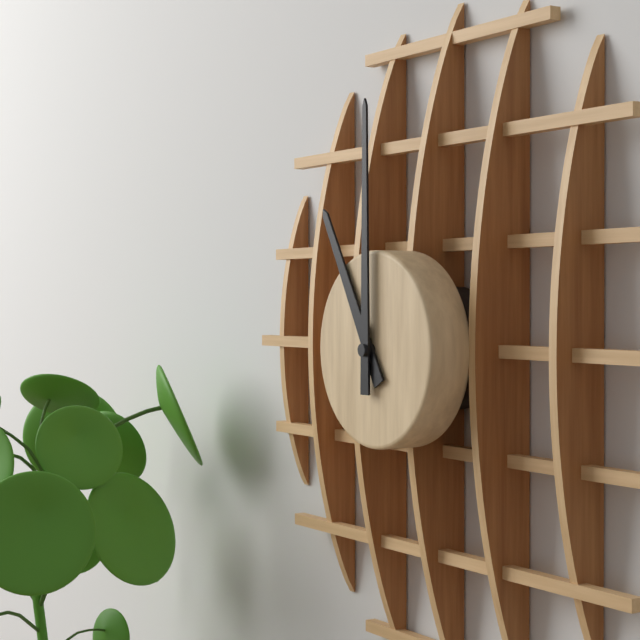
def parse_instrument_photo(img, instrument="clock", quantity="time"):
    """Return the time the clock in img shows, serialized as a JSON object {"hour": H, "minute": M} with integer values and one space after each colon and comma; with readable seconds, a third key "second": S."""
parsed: {"hour": 11, "minute": 0}
